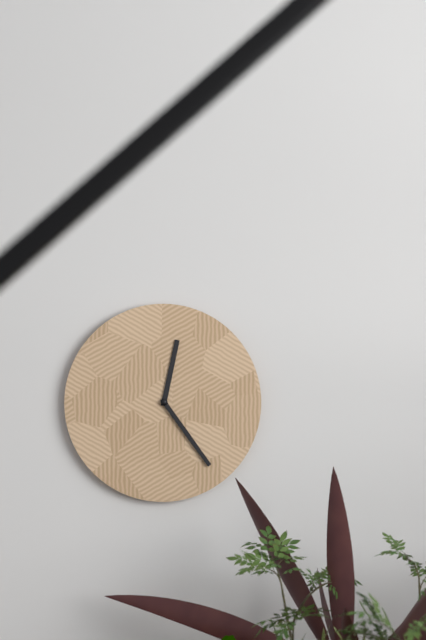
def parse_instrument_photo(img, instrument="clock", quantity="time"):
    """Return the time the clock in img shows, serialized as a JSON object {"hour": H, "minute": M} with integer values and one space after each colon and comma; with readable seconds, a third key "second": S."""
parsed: {"hour": 12, "minute": 24}
